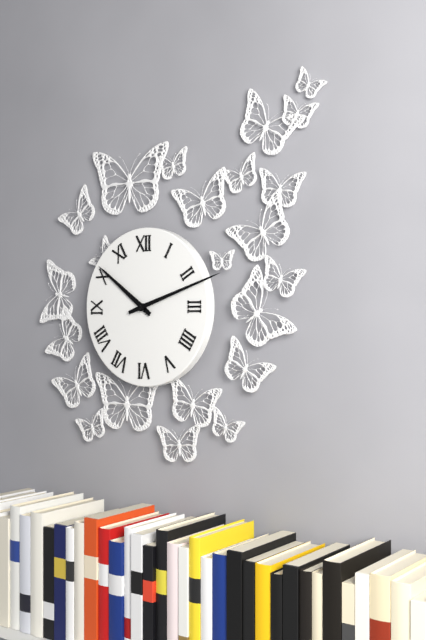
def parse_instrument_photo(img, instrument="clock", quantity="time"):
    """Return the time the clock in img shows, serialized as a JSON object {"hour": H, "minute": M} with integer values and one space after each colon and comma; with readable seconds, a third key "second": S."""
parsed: {"hour": 10, "minute": 12}
